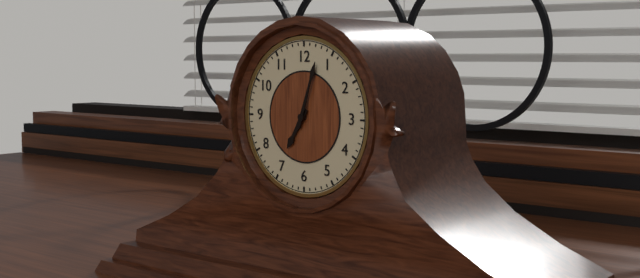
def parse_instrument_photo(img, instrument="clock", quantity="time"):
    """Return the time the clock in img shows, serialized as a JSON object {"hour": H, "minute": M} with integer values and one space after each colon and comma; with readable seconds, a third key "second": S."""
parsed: {"hour": 7, "minute": 3}
